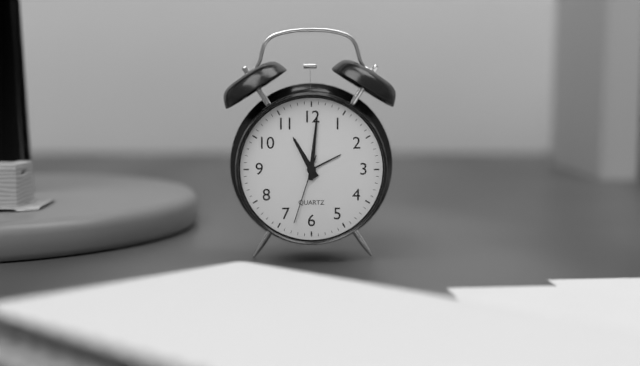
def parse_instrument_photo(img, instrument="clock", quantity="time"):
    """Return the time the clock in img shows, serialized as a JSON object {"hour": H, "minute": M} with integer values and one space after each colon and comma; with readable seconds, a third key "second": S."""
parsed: {"hour": 11, "minute": 1, "second": 33}
